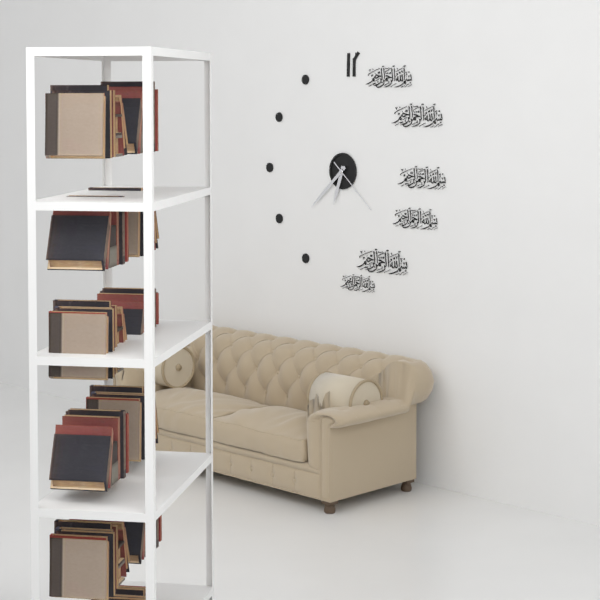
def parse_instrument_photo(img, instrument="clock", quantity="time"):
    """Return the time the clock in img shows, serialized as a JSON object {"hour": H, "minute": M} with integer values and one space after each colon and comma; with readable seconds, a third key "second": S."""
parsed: {"hour": 6, "minute": 38, "second": 22}
